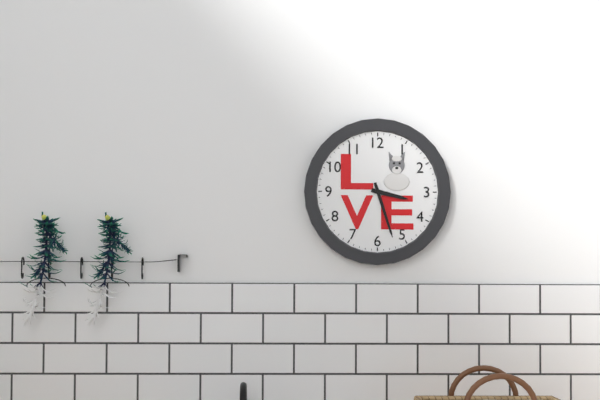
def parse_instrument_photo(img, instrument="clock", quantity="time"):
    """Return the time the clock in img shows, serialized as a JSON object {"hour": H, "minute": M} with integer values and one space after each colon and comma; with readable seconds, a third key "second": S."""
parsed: {"hour": 3, "minute": 27}
